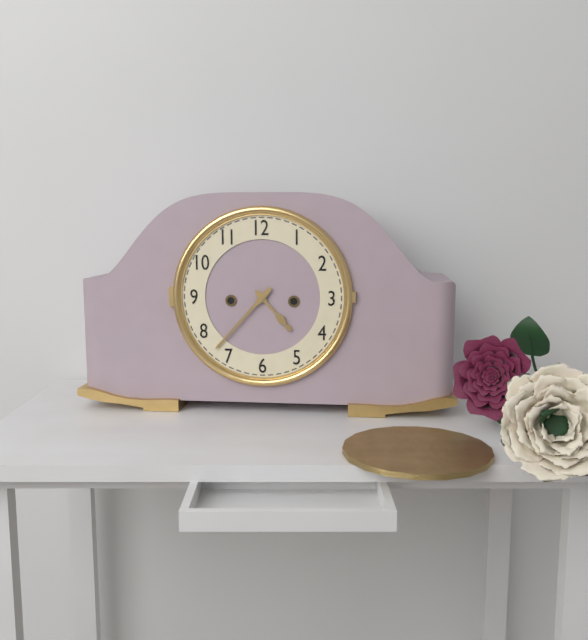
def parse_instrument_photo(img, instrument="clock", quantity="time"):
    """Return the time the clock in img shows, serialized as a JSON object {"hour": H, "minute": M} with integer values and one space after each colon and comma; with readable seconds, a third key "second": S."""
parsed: {"hour": 4, "minute": 37}
